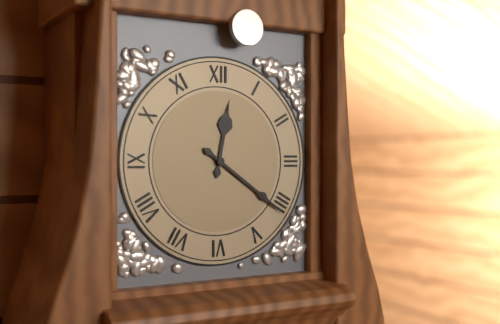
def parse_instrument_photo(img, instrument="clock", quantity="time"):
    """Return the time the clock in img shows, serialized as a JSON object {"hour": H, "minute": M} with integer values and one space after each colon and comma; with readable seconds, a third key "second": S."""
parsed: {"hour": 12, "minute": 21}
